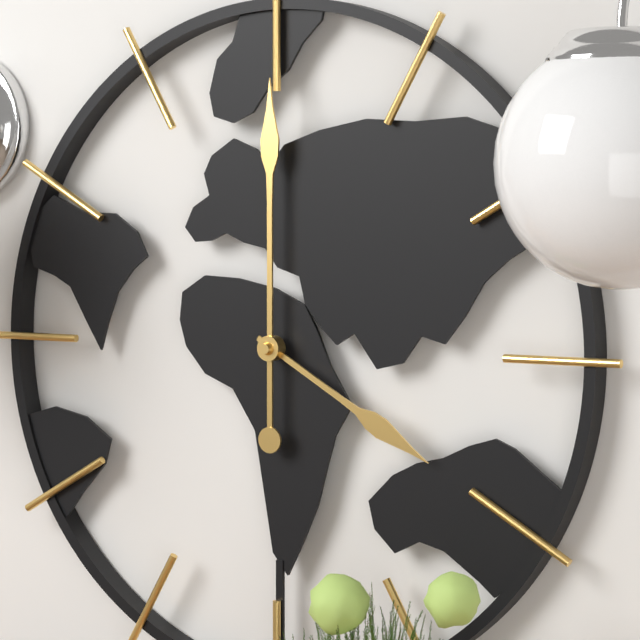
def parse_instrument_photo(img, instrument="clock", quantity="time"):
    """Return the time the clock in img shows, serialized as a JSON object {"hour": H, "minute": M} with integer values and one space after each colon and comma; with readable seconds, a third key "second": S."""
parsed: {"hour": 4, "minute": 0}
